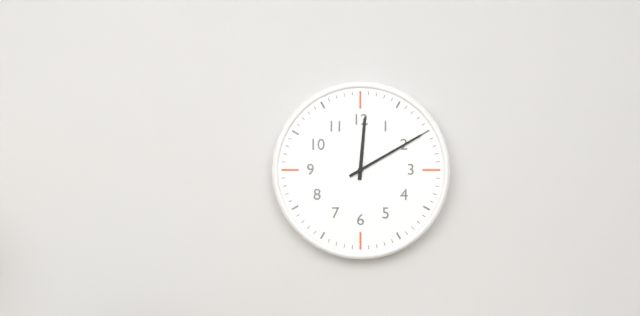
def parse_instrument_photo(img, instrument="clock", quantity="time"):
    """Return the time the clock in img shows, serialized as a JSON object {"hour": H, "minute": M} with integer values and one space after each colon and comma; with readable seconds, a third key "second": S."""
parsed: {"hour": 12, "minute": 10}
